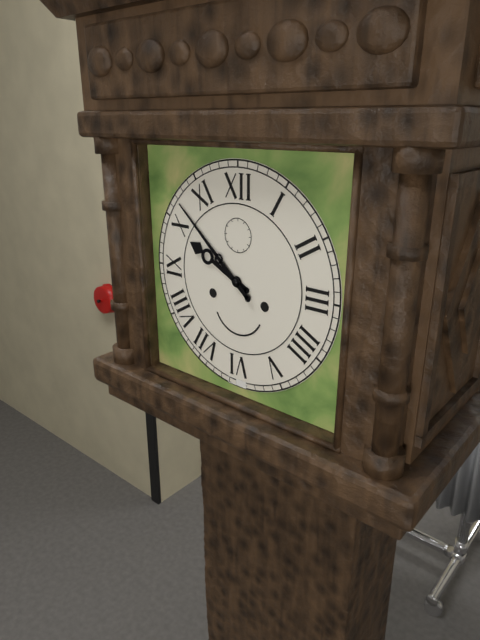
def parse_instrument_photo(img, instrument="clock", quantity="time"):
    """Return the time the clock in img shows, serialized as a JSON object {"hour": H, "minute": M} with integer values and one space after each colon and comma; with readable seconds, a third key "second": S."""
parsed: {"hour": 9, "minute": 52}
